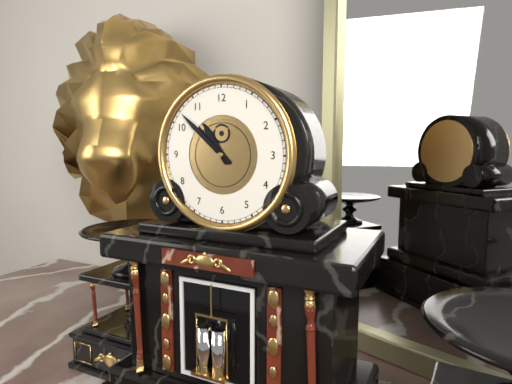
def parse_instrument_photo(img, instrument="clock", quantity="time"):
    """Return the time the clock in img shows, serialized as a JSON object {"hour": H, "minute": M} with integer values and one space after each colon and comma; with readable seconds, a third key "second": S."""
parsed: {"hour": 10, "minute": 52}
